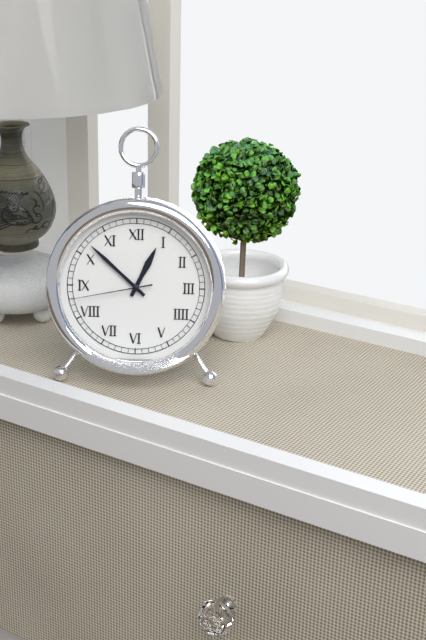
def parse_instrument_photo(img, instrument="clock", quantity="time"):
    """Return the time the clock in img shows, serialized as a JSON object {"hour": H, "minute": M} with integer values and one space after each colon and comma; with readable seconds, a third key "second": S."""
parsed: {"hour": 12, "minute": 52, "second": 43}
